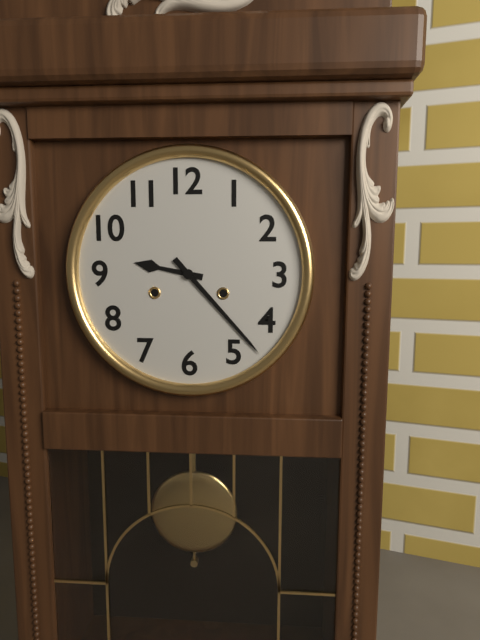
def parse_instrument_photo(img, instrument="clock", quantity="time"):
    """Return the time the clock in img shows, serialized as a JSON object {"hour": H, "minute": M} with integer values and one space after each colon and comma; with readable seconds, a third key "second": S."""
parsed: {"hour": 9, "minute": 23}
